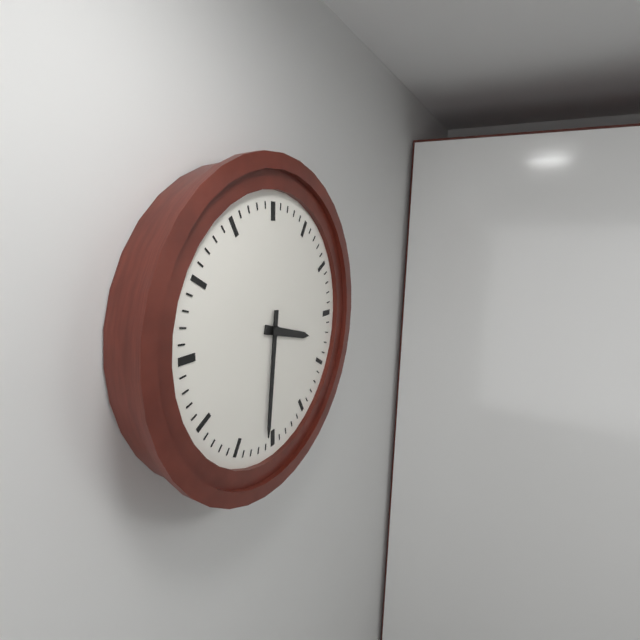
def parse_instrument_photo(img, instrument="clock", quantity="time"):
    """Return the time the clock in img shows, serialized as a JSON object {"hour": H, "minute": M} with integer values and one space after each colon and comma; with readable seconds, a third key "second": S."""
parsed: {"hour": 3, "minute": 31}
